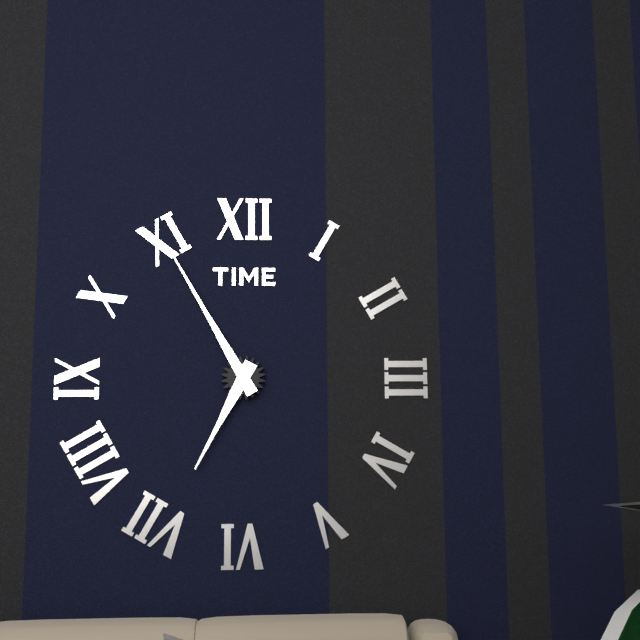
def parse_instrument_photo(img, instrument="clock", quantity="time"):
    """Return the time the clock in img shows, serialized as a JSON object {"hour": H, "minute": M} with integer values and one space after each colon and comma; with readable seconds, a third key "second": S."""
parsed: {"hour": 6, "minute": 55}
